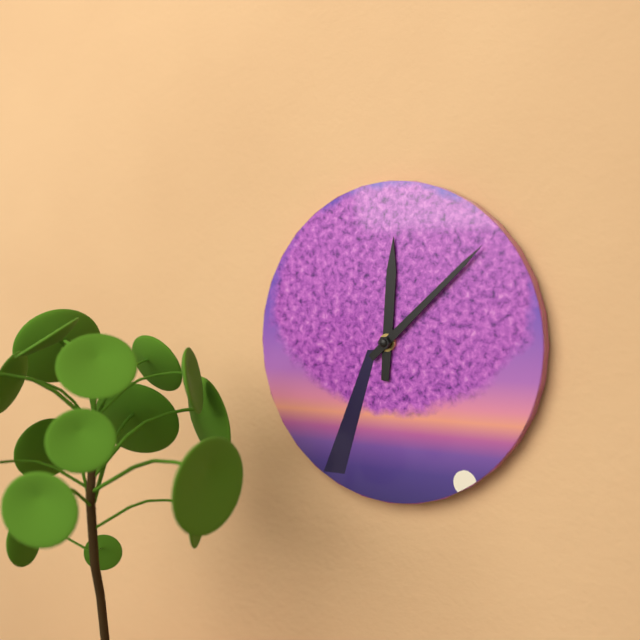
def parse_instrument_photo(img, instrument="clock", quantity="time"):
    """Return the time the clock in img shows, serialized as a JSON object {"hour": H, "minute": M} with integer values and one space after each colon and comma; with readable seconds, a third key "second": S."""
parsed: {"hour": 12, "minute": 8}
